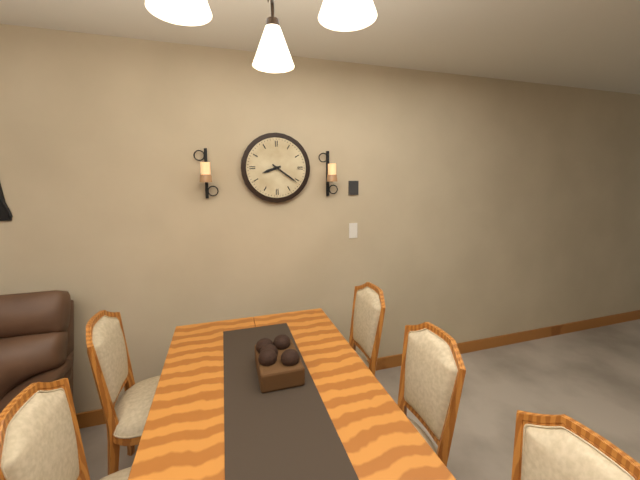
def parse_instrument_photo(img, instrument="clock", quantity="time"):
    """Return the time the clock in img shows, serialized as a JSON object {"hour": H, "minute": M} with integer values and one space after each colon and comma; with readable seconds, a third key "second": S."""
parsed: {"hour": 8, "minute": 21}
